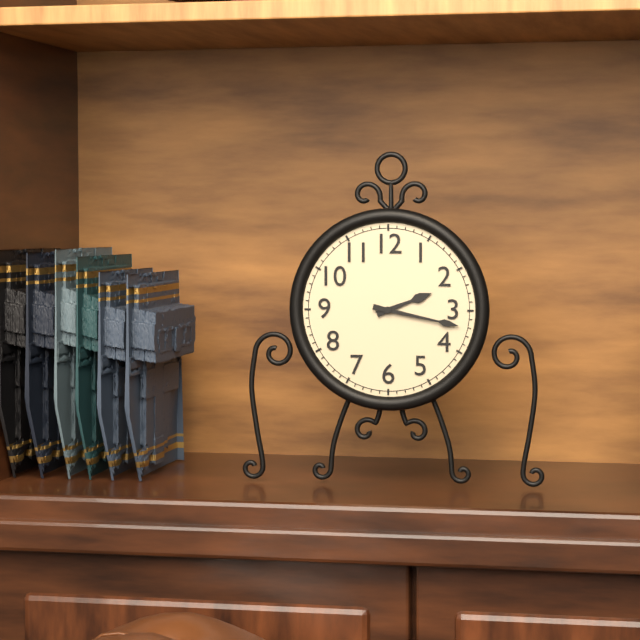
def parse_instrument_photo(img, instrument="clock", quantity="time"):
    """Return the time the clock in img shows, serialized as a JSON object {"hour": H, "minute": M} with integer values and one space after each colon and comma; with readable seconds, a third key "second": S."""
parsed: {"hour": 2, "minute": 17}
